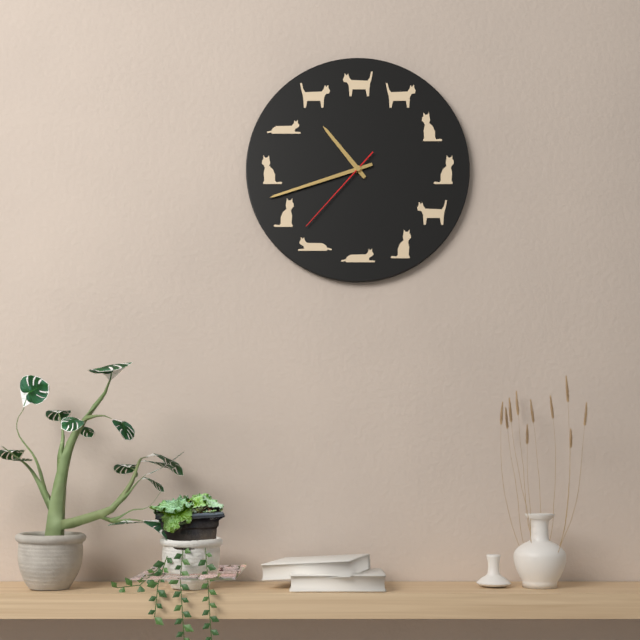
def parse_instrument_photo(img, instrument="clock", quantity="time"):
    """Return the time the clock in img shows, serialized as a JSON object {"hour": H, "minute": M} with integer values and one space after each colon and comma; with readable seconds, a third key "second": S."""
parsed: {"hour": 10, "minute": 42, "second": 37}
